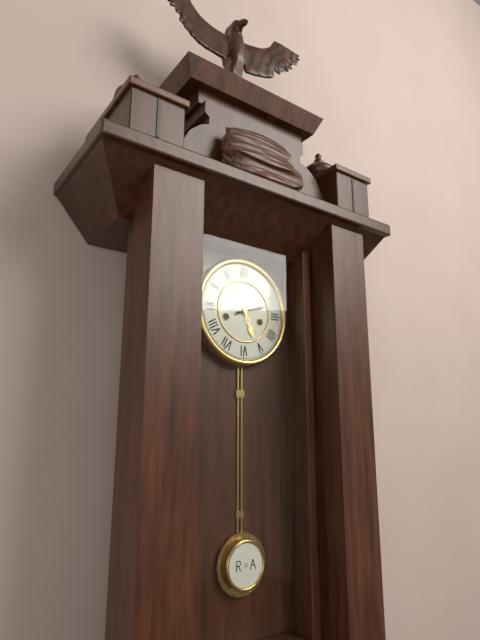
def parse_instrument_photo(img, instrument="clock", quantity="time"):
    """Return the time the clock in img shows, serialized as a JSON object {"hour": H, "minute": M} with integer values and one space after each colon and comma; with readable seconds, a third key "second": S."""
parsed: {"hour": 5, "minute": 12}
